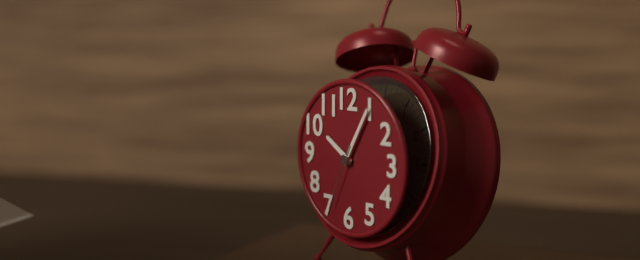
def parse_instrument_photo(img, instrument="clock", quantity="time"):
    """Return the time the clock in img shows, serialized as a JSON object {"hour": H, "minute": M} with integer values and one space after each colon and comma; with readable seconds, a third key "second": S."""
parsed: {"hour": 10, "minute": 5, "second": 34}
